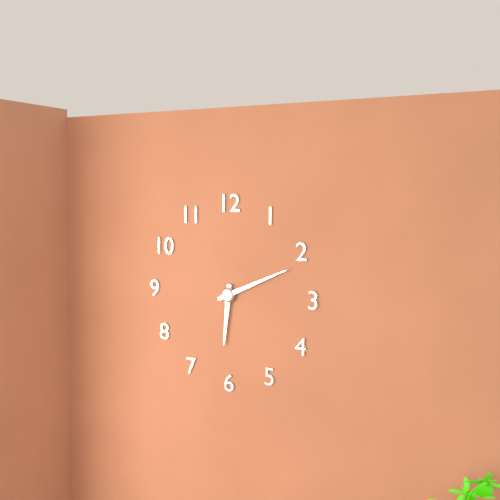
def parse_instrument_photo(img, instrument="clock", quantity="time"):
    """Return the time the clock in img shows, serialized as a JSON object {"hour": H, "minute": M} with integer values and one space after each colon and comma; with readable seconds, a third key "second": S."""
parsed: {"hour": 6, "minute": 11}
